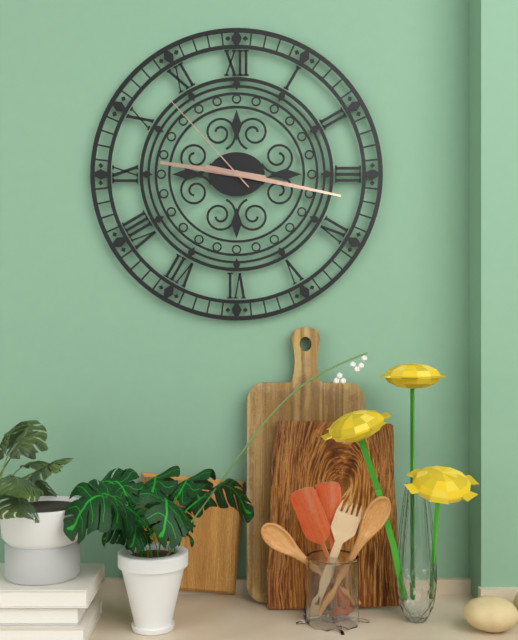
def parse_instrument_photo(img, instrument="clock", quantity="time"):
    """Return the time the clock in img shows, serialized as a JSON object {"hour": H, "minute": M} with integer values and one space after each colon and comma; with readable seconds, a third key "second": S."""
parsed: {"hour": 9, "minute": 17, "second": 53}
